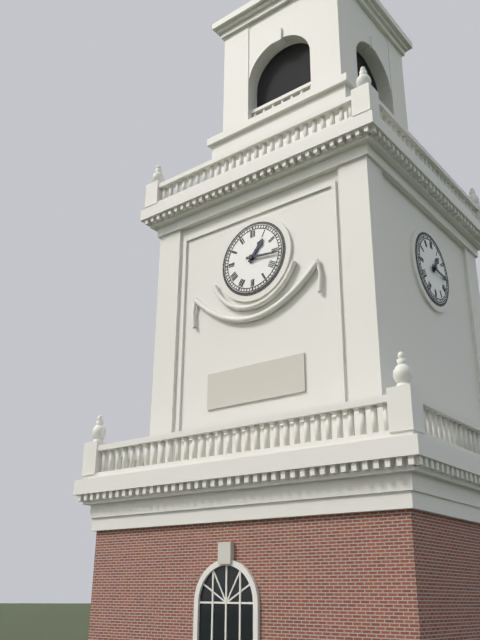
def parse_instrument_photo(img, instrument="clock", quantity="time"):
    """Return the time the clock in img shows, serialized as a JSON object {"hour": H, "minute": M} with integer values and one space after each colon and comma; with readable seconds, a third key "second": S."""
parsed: {"hour": 1, "minute": 16}
